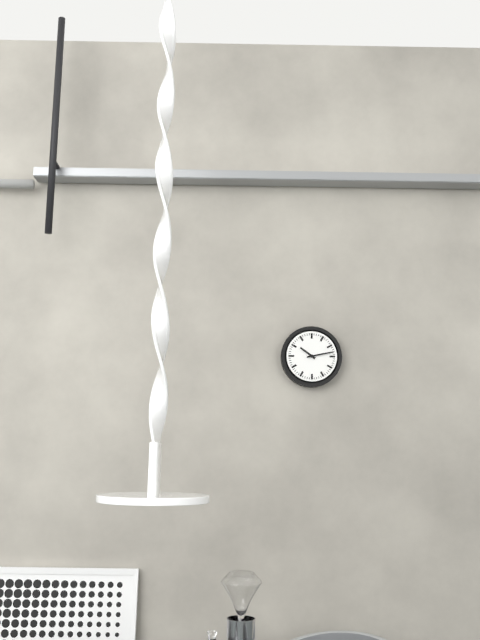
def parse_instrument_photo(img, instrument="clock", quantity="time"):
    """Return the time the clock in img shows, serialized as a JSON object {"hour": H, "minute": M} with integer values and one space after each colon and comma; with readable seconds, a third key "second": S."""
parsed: {"hour": 10, "minute": 13}
